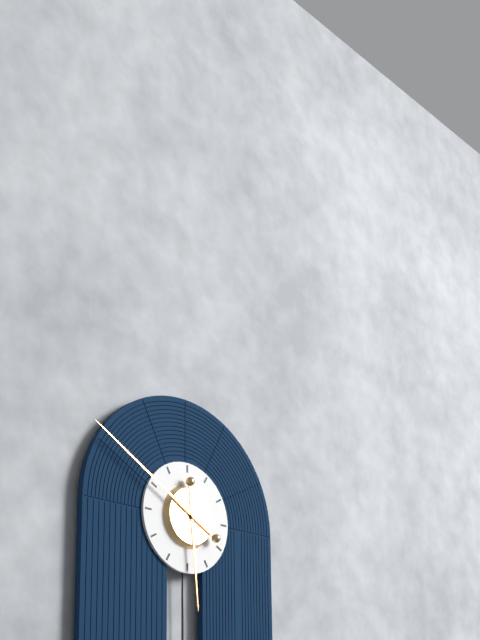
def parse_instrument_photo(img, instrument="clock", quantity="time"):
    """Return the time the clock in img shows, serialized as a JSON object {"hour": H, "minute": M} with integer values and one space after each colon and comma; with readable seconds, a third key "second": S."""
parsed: {"hour": 5, "minute": 50}
